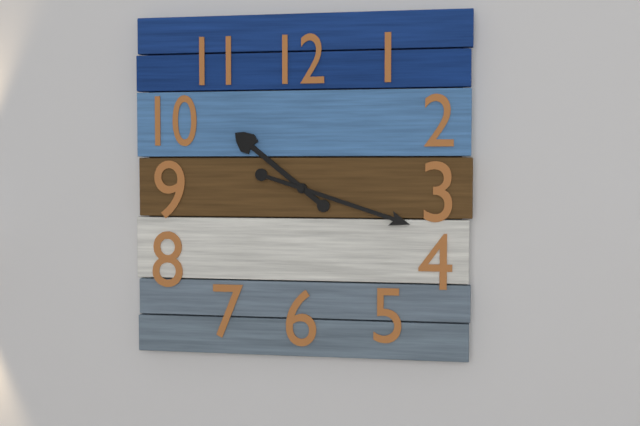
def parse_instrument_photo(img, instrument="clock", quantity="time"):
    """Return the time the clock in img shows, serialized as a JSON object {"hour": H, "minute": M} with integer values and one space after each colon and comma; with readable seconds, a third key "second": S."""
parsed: {"hour": 10, "minute": 18}
